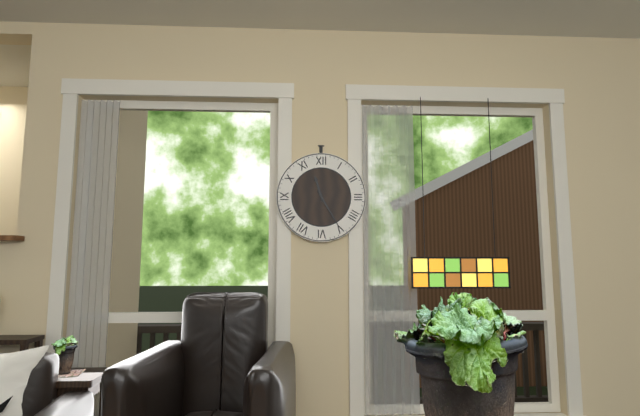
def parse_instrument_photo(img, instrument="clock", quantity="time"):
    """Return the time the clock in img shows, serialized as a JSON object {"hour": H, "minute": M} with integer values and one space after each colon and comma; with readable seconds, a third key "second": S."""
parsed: {"hour": 11, "minute": 25}
